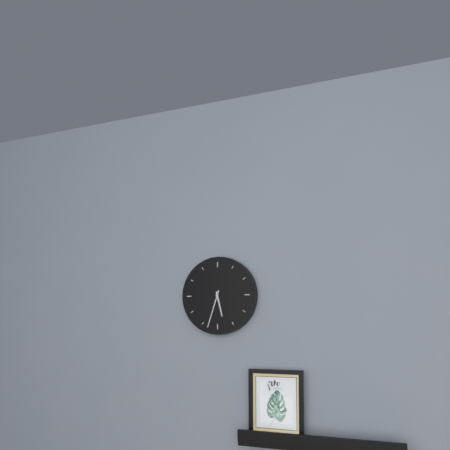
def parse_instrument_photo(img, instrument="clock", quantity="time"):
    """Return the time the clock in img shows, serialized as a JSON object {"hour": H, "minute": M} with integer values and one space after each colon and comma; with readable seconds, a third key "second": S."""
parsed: {"hour": 5, "minute": 33}
